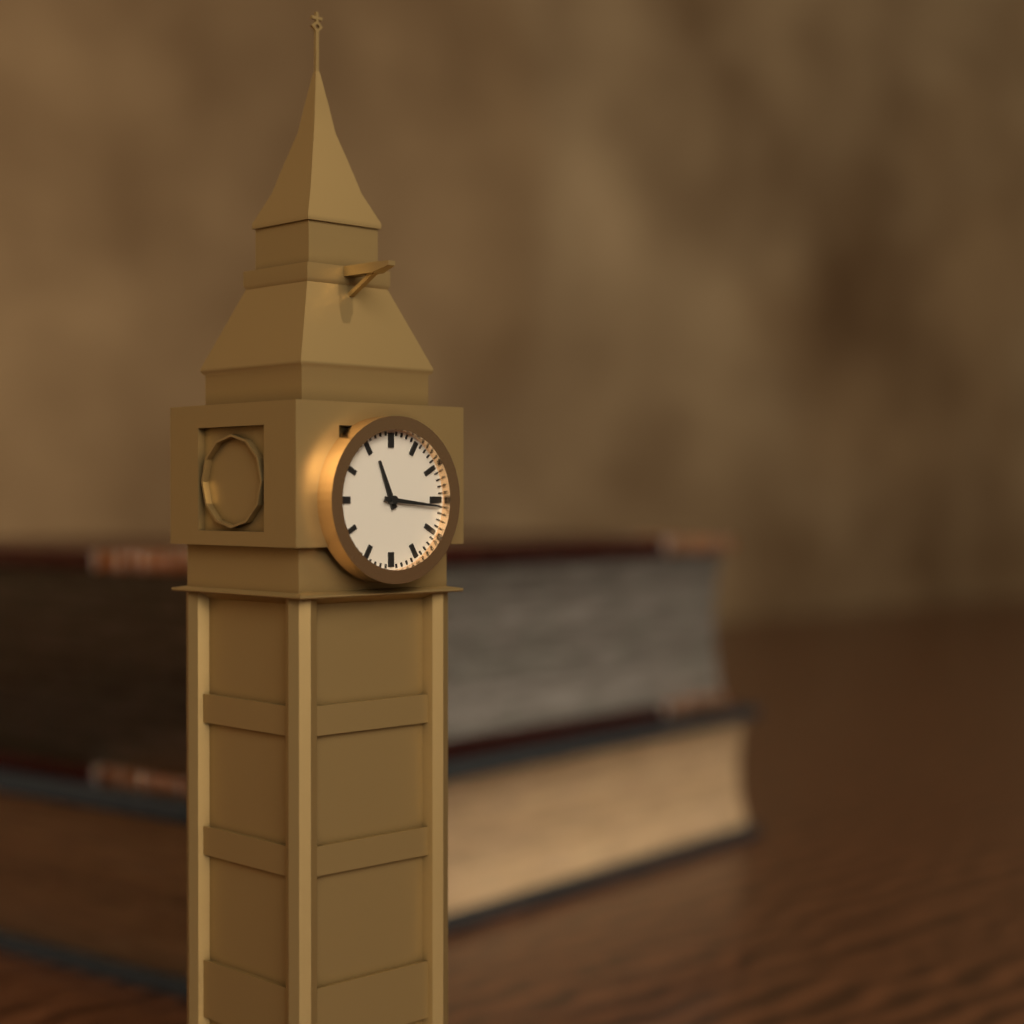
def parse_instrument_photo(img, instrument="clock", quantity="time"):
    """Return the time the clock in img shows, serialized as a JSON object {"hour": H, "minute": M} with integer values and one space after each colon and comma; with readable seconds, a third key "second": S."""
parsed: {"hour": 11, "minute": 16}
